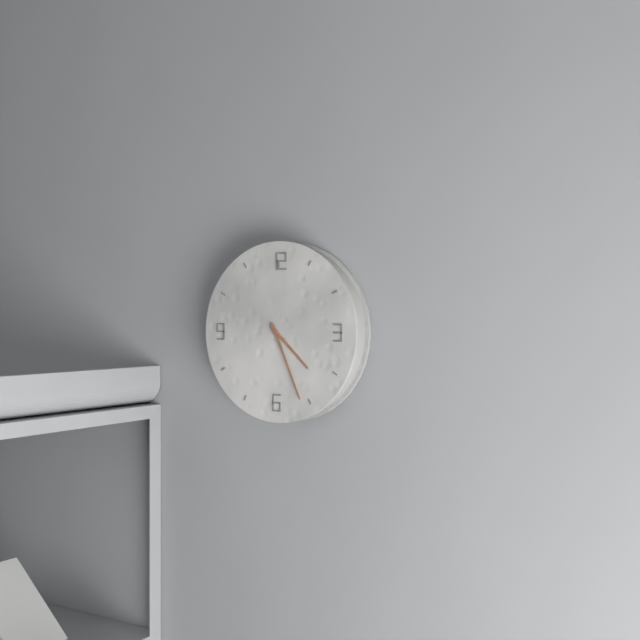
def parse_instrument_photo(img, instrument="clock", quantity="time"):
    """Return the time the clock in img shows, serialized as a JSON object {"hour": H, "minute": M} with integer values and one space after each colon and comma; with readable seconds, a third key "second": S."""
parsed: {"hour": 4, "minute": 26}
